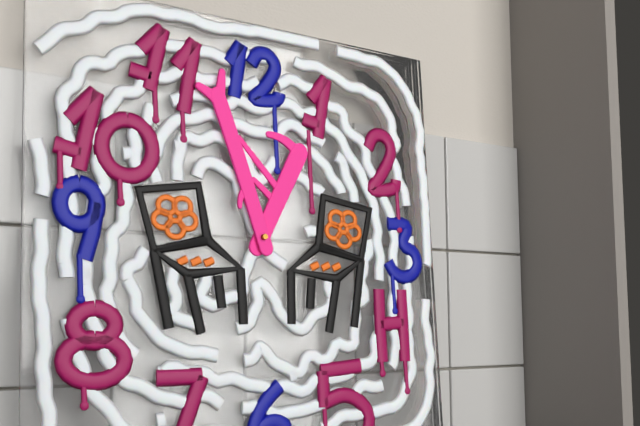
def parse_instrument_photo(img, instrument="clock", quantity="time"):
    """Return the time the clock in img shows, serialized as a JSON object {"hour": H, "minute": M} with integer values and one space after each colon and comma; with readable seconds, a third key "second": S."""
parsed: {"hour": 12, "minute": 57}
